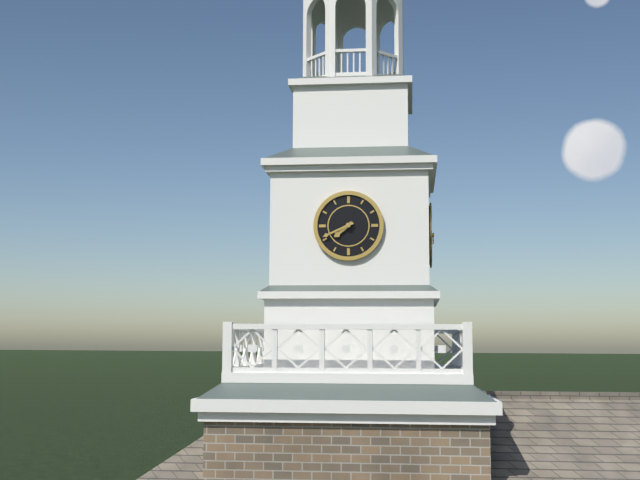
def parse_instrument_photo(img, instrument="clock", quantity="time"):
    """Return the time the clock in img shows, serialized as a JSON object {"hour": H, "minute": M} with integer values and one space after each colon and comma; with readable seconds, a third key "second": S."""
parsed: {"hour": 7, "minute": 41}
